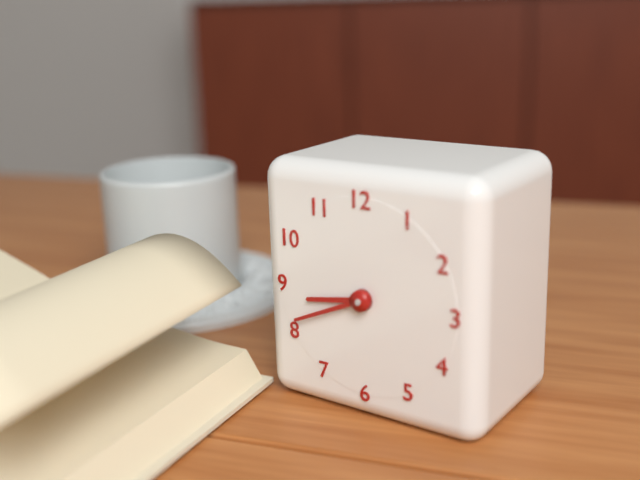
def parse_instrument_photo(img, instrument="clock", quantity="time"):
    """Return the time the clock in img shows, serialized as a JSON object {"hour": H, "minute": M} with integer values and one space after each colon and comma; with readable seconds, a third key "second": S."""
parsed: {"hour": 8, "minute": 41}
